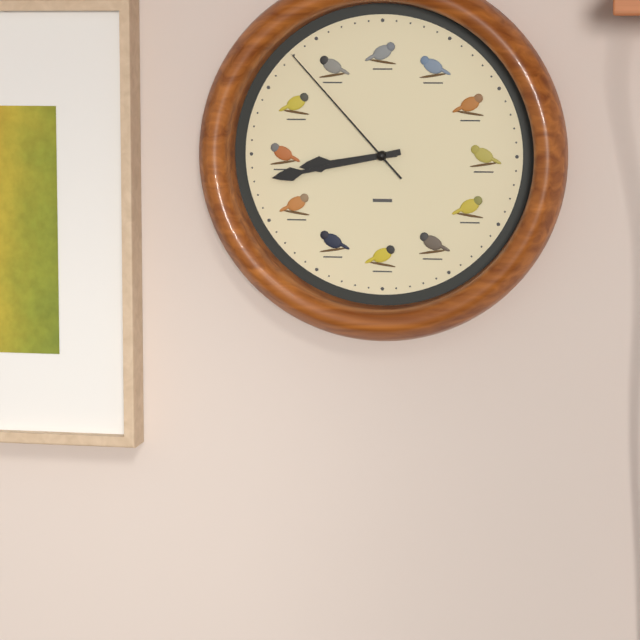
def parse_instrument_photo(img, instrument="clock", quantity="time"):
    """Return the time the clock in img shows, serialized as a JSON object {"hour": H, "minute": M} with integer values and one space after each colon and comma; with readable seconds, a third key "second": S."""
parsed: {"hour": 8, "minute": 43, "second": 53}
